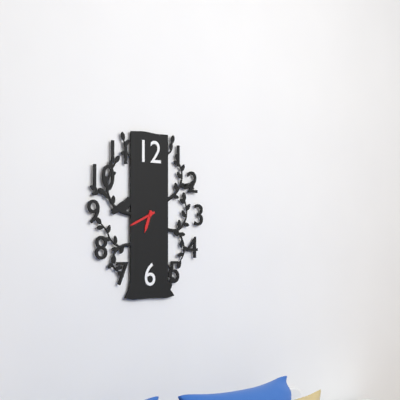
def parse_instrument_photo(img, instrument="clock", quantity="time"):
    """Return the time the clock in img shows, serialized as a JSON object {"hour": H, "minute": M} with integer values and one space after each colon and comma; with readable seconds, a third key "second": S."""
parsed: {"hour": 6, "minute": 41}
